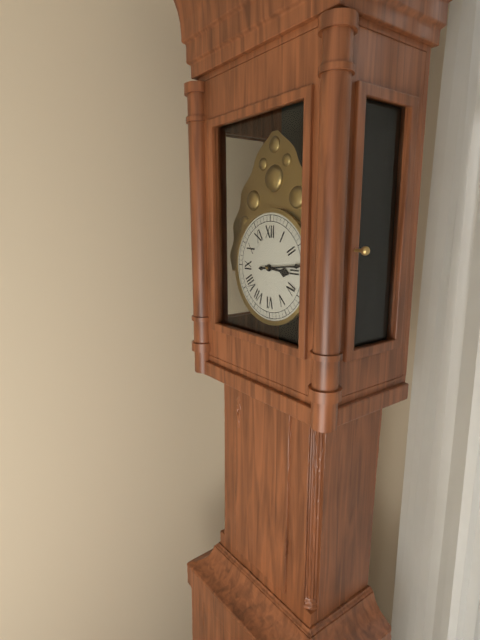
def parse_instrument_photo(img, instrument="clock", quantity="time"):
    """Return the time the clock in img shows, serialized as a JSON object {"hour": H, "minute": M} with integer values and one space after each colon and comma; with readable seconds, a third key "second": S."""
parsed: {"hour": 3, "minute": 14}
